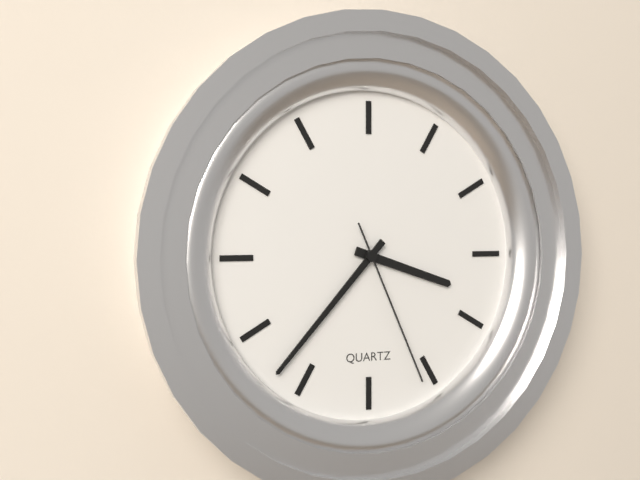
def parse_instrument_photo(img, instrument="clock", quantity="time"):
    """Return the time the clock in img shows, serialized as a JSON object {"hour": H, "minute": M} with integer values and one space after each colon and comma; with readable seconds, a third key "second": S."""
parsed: {"hour": 3, "minute": 37, "second": 26}
